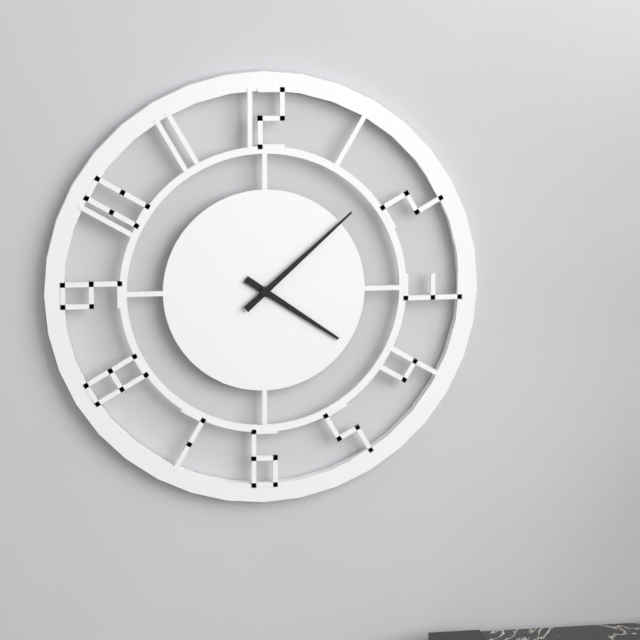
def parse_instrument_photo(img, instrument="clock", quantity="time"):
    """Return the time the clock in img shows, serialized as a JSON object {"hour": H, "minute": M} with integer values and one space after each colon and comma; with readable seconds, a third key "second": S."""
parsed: {"hour": 4, "minute": 8}
